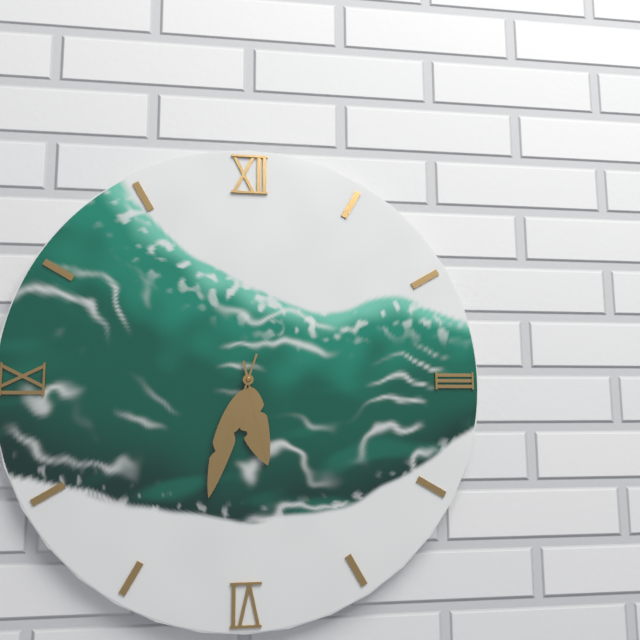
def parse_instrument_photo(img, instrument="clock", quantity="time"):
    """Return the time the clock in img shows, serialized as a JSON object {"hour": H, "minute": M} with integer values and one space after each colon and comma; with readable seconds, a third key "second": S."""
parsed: {"hour": 5, "minute": 33}
